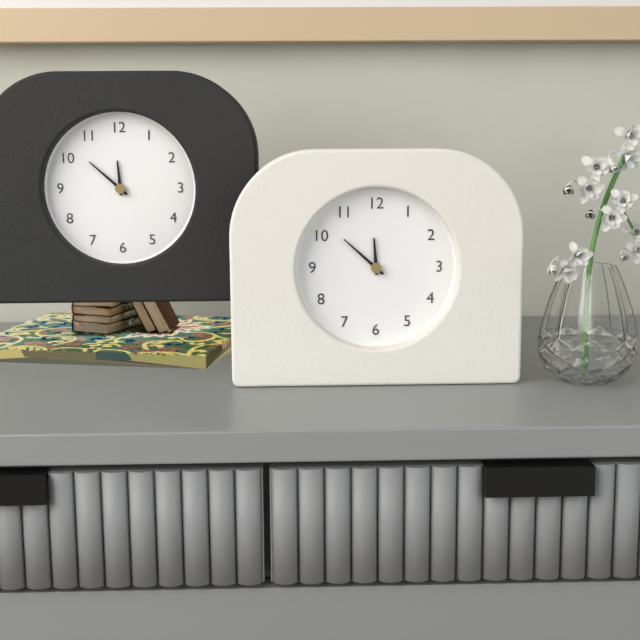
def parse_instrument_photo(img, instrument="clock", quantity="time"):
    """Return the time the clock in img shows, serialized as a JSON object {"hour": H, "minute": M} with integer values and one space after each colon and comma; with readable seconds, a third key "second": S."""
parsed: {"hour": 11, "minute": 52}
